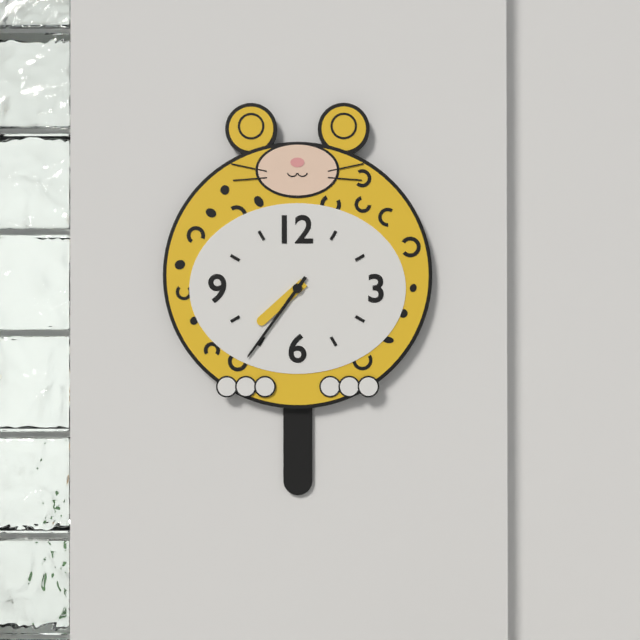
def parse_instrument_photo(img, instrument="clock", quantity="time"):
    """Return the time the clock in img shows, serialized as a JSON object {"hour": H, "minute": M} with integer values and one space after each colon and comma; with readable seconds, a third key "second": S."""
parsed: {"hour": 7, "minute": 36}
